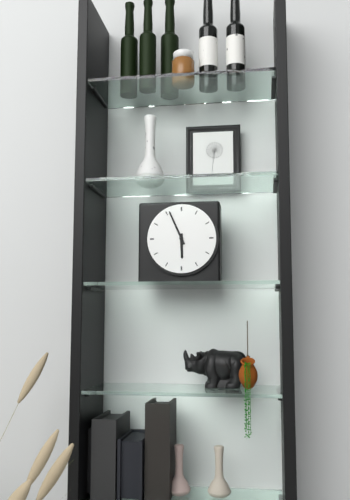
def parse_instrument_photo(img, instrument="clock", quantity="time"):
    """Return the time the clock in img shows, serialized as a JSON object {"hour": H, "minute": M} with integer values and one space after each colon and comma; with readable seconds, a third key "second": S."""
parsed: {"hour": 5, "minute": 56}
